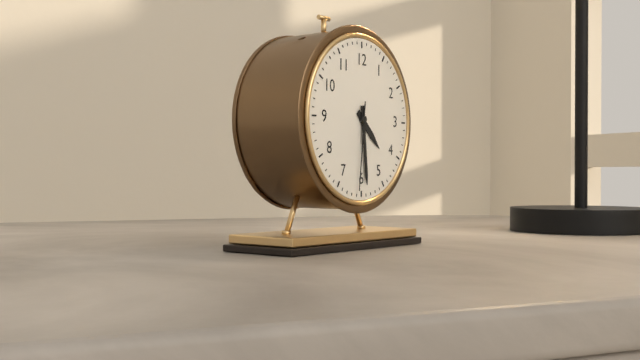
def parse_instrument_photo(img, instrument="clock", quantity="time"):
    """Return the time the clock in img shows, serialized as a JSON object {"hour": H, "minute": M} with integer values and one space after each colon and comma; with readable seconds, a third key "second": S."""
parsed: {"hour": 4, "minute": 29, "second": 31}
